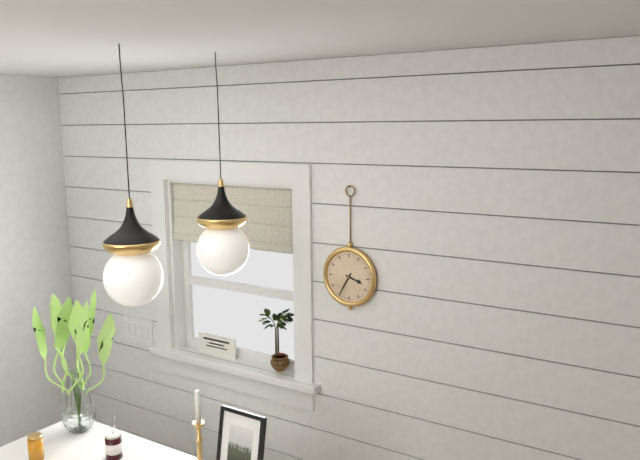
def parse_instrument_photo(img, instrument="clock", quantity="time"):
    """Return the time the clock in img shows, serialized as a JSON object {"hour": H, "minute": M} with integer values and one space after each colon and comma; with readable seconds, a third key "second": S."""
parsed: {"hour": 3, "minute": 35}
